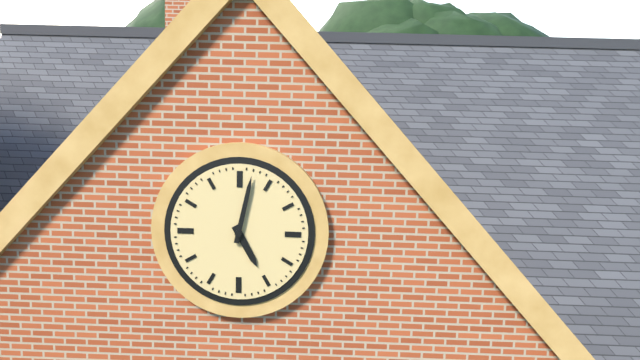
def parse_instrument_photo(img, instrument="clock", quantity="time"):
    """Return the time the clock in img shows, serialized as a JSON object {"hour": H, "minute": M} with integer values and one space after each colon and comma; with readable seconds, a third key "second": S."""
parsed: {"hour": 5, "minute": 2}
